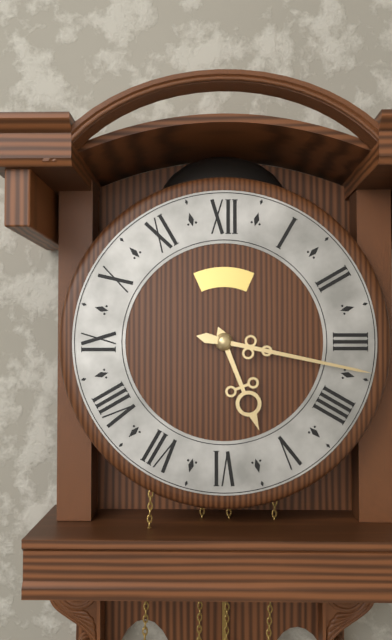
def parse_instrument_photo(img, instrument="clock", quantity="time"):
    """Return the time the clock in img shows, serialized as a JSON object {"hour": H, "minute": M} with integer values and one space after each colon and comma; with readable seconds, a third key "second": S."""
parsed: {"hour": 5, "minute": 17}
